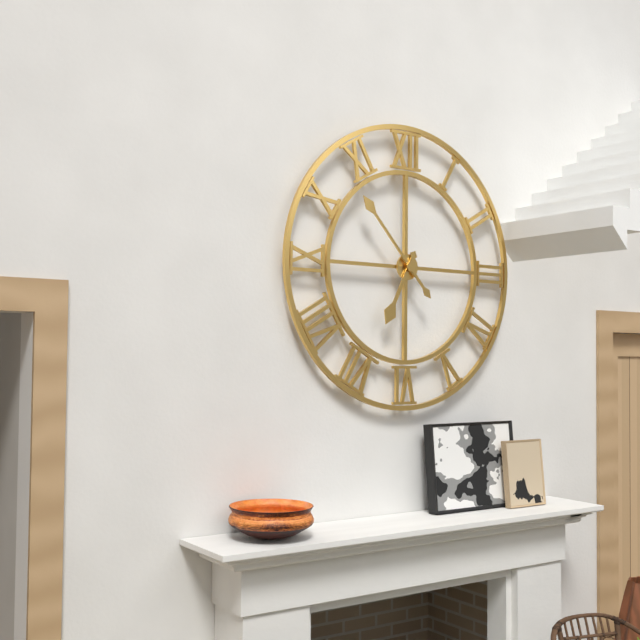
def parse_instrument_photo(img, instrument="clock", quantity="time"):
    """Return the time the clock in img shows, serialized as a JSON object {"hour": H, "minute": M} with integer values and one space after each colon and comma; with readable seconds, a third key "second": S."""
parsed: {"hour": 6, "minute": 53}
